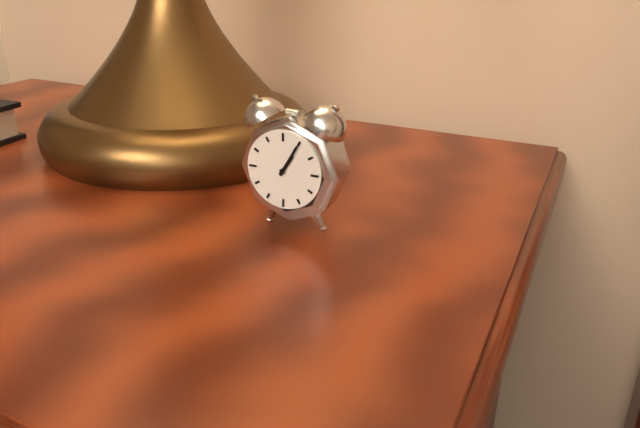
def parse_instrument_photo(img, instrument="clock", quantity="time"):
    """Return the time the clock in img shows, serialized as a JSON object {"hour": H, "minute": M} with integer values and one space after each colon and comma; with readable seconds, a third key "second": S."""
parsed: {"hour": 1, "minute": 5}
